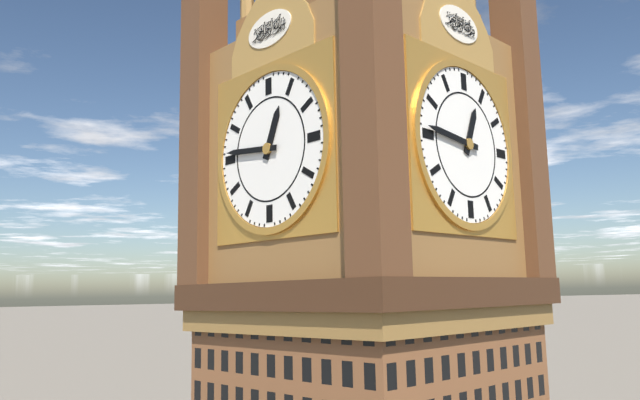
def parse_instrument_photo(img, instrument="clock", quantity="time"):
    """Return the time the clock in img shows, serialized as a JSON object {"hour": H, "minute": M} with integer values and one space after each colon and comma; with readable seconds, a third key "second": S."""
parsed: {"hour": 12, "minute": 46}
